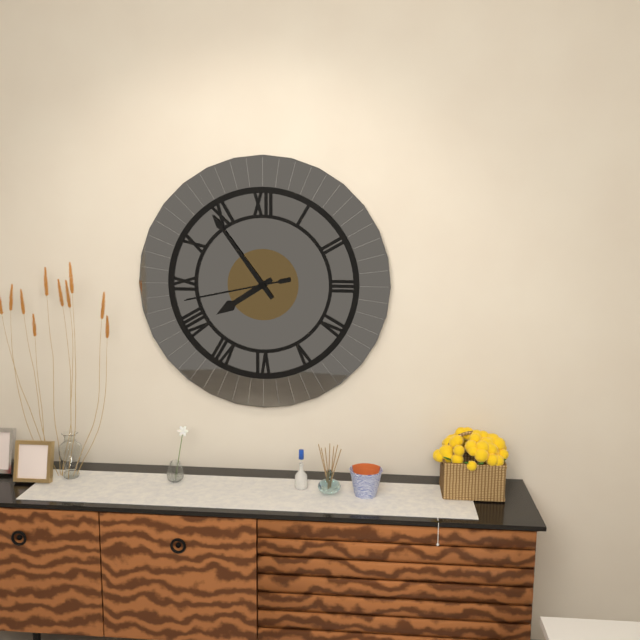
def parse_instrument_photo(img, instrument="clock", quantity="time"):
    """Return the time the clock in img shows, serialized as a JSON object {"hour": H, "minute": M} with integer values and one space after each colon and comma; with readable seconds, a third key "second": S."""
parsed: {"hour": 7, "minute": 54, "second": 43}
